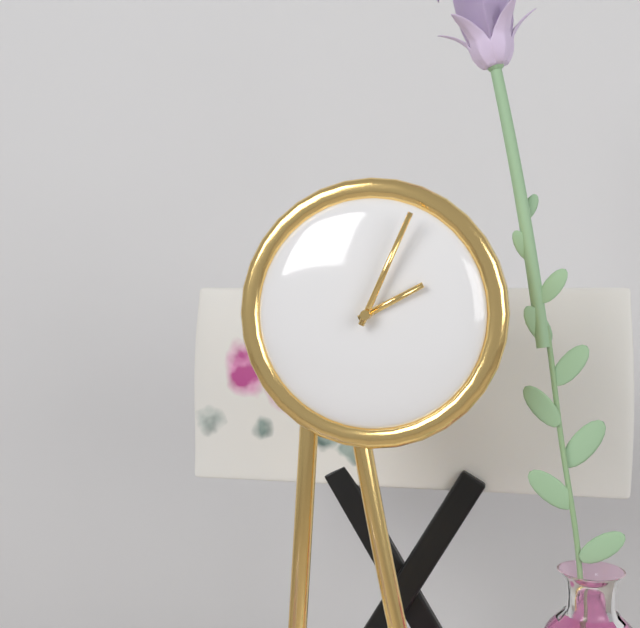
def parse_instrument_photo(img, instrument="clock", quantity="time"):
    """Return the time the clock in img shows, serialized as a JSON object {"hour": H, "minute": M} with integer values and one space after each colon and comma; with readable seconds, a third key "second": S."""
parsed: {"hour": 2, "minute": 4}
